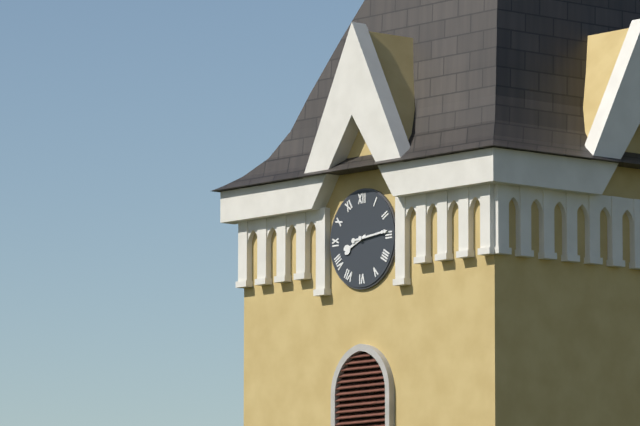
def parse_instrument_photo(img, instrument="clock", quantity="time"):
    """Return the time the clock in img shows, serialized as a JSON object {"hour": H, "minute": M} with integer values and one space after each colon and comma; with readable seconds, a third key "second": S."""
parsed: {"hour": 8, "minute": 14}
